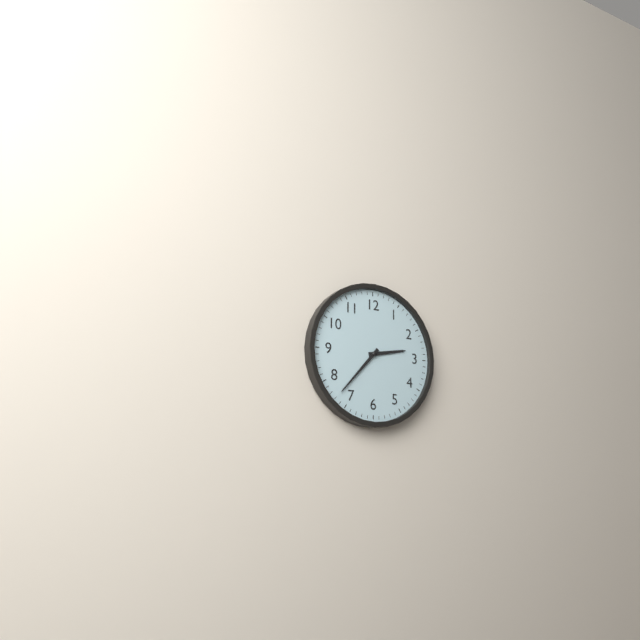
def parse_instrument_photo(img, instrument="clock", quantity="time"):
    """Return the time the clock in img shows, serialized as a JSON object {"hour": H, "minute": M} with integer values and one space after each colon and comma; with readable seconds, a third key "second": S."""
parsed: {"hour": 2, "minute": 37}
